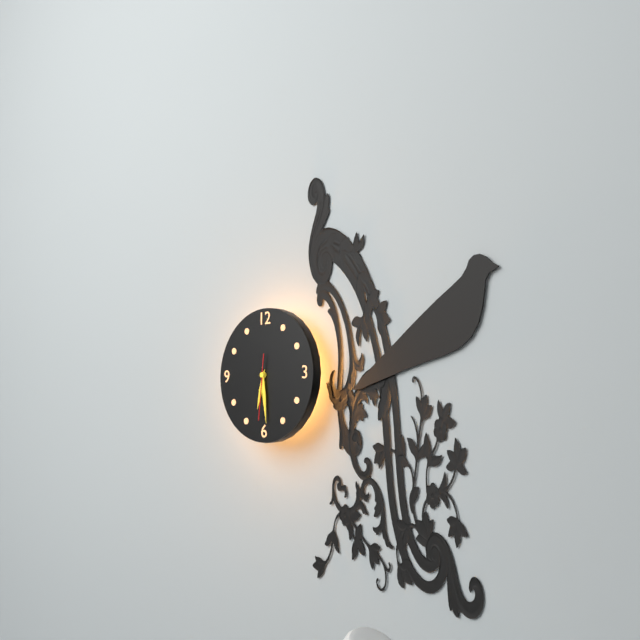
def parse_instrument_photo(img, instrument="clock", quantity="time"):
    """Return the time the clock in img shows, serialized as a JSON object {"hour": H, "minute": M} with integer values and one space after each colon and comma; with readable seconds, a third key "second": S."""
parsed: {"hour": 6, "minute": 29, "second": 31}
